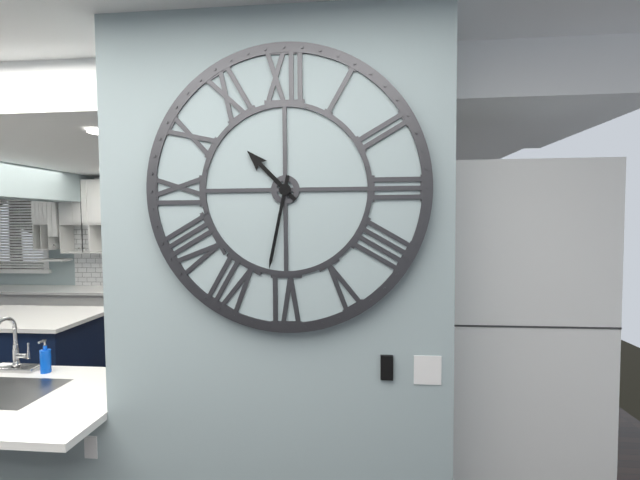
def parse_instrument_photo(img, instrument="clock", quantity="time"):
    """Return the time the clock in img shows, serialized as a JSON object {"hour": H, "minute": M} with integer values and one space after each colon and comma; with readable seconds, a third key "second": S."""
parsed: {"hour": 10, "minute": 32}
